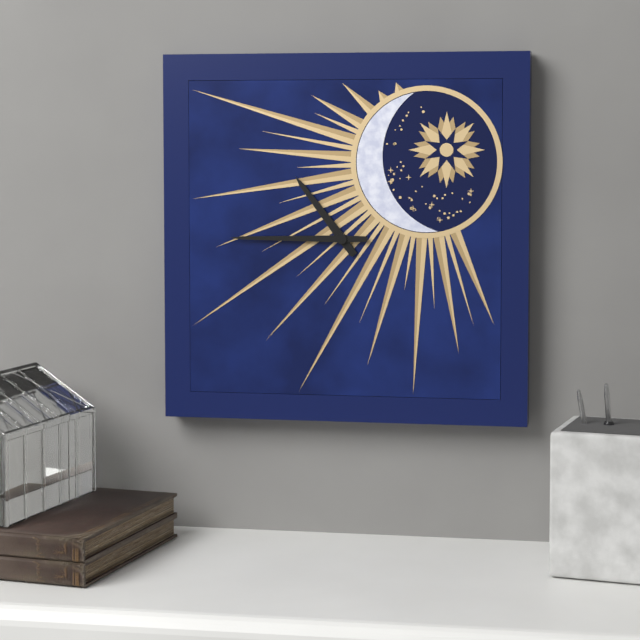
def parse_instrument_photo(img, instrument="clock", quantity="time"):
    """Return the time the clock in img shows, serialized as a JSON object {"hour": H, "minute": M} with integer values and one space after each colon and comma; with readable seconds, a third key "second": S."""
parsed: {"hour": 10, "minute": 45}
